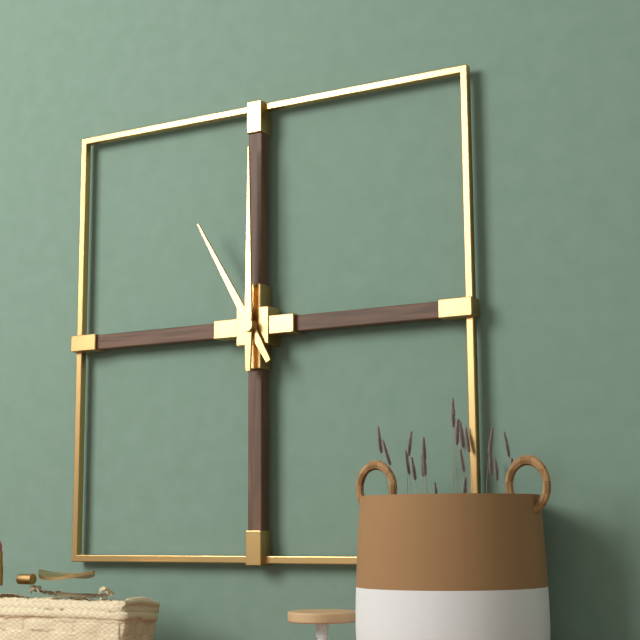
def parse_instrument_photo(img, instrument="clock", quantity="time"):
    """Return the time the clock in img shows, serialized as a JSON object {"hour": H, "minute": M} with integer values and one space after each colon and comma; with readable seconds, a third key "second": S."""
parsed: {"hour": 11, "minute": 0}
